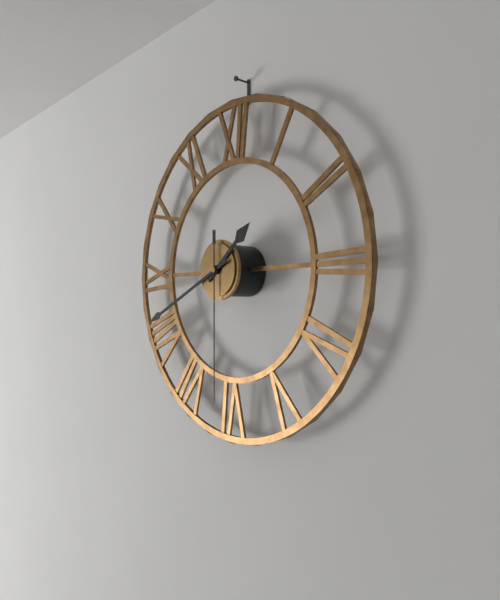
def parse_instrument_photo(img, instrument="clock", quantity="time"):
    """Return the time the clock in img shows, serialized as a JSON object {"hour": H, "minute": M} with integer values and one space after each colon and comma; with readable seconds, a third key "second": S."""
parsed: {"hour": 1, "minute": 41, "second": 30}
